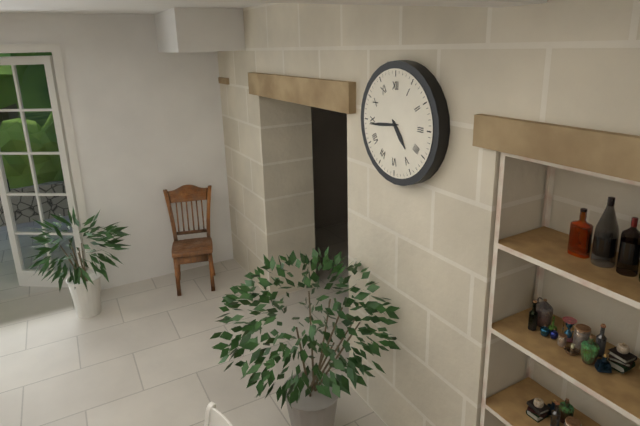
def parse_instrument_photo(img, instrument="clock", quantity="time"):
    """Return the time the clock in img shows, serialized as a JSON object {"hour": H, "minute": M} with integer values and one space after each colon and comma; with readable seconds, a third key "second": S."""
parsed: {"hour": 4, "minute": 44}
